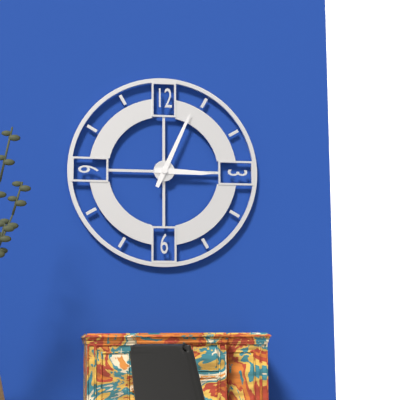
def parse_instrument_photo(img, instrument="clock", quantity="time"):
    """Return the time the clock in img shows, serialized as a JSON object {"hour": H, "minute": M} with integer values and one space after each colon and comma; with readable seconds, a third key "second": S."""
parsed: {"hour": 3, "minute": 4}
